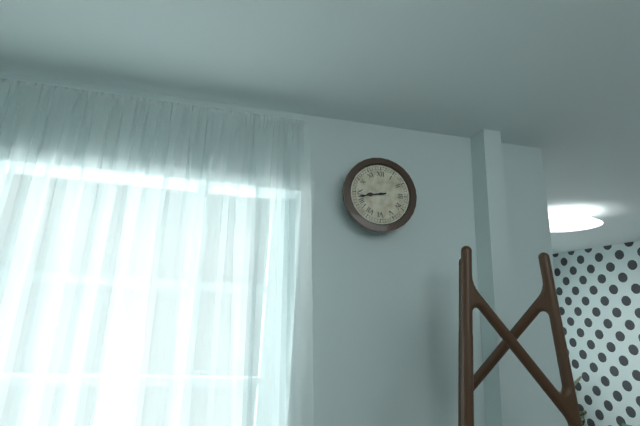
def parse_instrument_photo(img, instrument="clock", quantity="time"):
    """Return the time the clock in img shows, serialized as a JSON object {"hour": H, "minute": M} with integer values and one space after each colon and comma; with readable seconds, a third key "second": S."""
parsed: {"hour": 8, "minute": 43}
